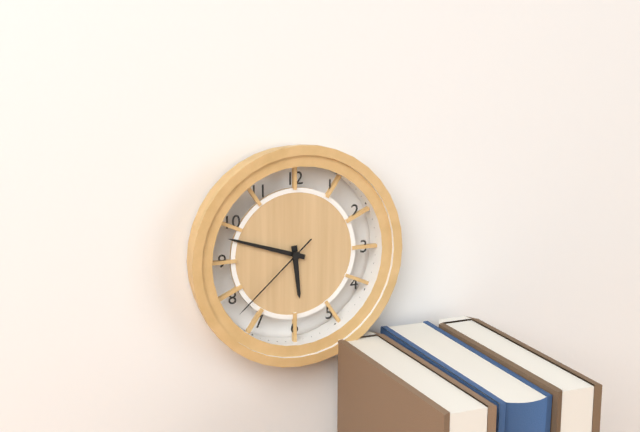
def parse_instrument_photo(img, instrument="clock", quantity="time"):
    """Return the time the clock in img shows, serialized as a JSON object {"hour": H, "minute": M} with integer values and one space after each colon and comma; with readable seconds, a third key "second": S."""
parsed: {"hour": 5, "minute": 48, "second": 38}
